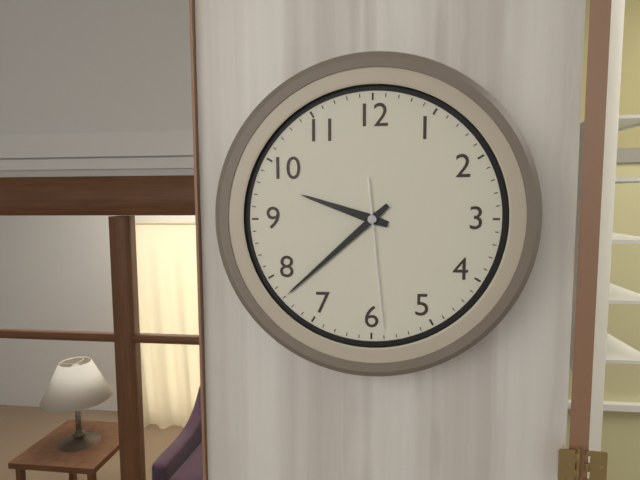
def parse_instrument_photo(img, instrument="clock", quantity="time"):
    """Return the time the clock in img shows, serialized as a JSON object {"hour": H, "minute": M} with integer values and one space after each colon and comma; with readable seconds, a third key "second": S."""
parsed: {"hour": 9, "minute": 38, "second": 29}
